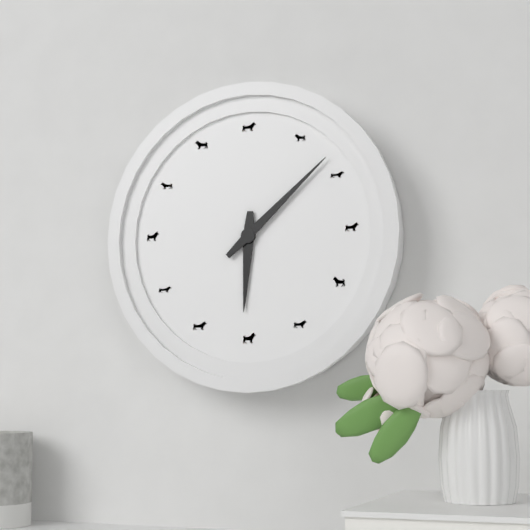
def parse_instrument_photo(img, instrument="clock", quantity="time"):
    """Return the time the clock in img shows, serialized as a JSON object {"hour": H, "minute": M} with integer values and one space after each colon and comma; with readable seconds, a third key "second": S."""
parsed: {"hour": 6, "minute": 8}
